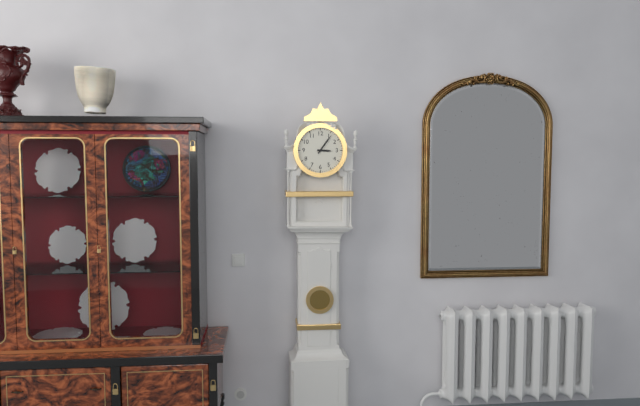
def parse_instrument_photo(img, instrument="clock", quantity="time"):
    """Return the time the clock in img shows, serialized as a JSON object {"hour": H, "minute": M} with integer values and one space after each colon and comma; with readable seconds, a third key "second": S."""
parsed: {"hour": 3, "minute": 6}
